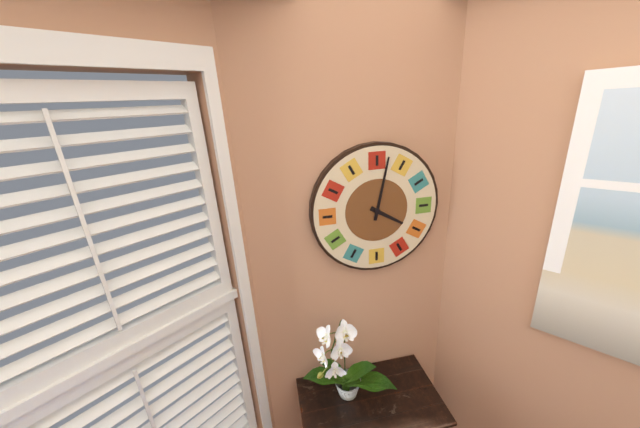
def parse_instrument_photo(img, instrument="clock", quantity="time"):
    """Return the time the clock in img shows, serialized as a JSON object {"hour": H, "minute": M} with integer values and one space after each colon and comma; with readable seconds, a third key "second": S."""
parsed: {"hour": 4, "minute": 2}
